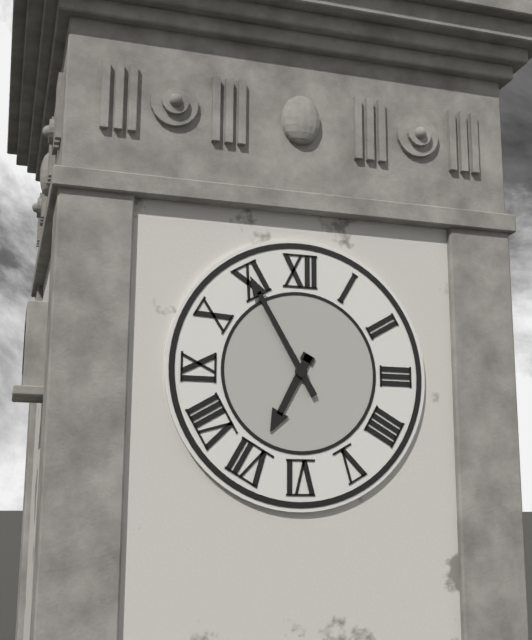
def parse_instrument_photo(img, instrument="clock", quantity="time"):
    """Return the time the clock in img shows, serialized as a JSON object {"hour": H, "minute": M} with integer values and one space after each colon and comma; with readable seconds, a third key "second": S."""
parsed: {"hour": 6, "minute": 55}
